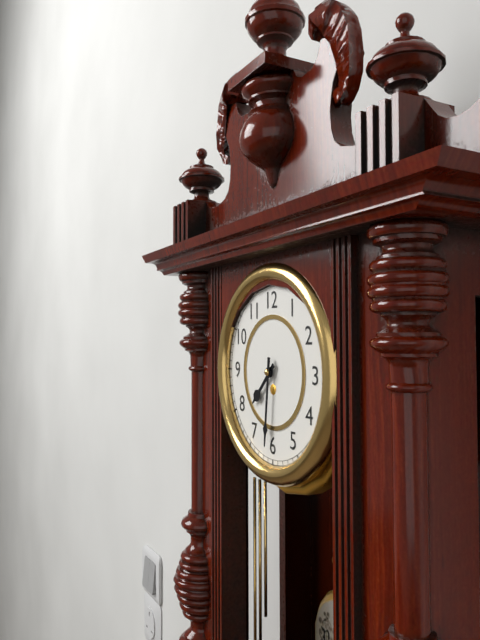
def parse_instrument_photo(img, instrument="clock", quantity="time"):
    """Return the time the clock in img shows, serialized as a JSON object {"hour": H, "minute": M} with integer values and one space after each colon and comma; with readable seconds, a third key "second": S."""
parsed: {"hour": 7, "minute": 31}
